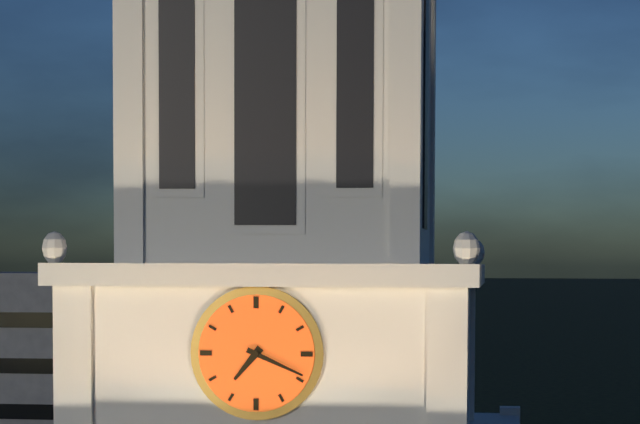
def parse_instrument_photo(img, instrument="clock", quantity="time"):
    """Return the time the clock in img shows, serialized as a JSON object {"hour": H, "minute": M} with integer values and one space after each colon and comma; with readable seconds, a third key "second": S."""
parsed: {"hour": 7, "minute": 19}
